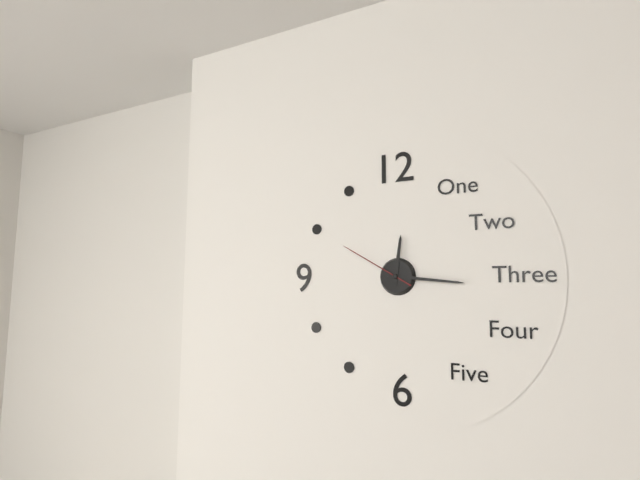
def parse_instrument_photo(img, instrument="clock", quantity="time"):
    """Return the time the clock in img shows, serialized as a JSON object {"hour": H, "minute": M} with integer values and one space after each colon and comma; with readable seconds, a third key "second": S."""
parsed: {"hour": 12, "minute": 16, "second": 50}
